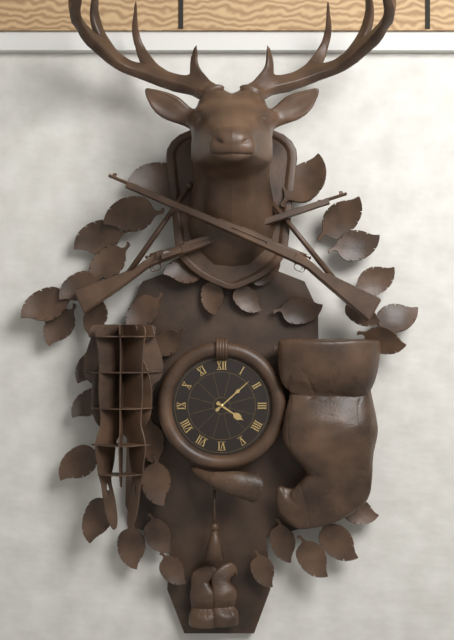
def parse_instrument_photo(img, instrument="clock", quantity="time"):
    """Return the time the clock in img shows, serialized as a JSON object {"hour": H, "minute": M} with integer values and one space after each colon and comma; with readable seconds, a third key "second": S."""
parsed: {"hour": 4, "minute": 8}
